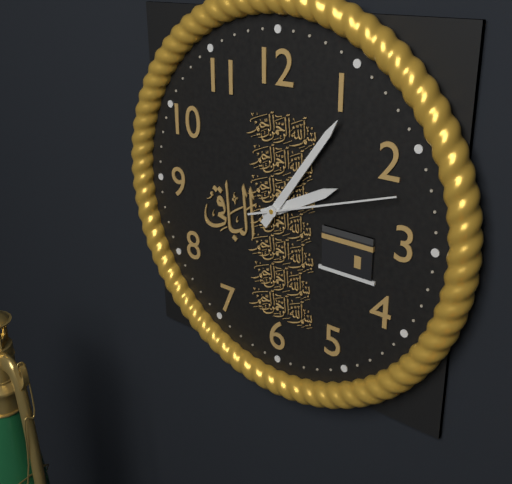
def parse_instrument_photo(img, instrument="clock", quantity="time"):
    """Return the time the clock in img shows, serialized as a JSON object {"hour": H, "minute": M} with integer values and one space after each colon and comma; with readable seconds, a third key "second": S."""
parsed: {"hour": 2, "minute": 6, "second": 12}
